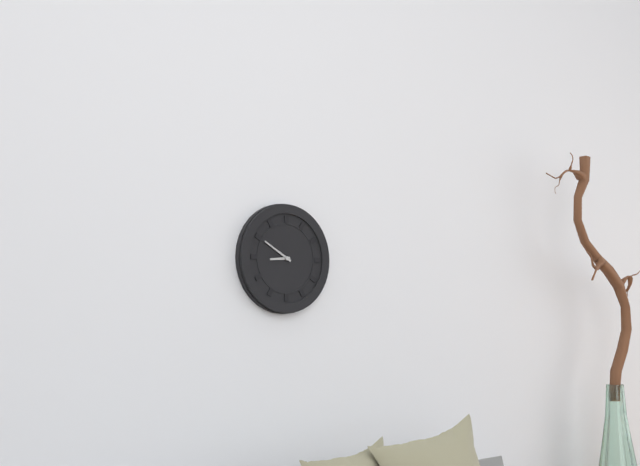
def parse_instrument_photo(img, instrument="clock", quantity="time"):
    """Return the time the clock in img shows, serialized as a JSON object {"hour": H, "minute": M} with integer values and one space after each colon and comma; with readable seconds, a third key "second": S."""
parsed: {"hour": 8, "minute": 50}
